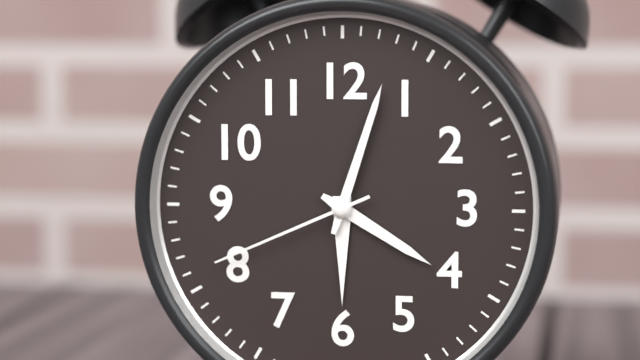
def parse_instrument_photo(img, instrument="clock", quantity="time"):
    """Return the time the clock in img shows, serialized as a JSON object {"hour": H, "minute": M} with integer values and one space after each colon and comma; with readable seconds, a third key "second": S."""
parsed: {"hour": 4, "minute": 3, "second": 41}
